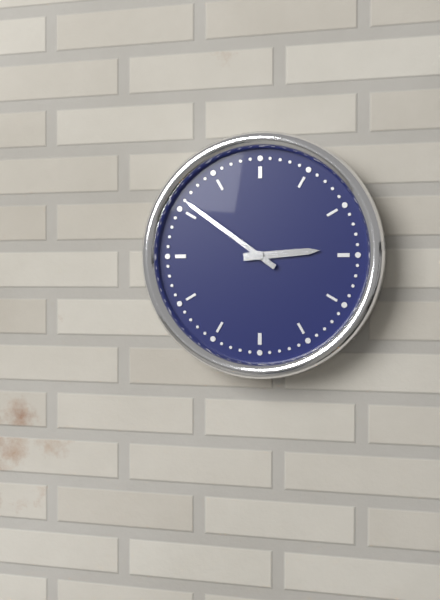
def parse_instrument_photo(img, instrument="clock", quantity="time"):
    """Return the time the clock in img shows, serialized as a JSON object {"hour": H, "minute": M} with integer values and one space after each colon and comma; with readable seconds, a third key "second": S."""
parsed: {"hour": 2, "minute": 51}
